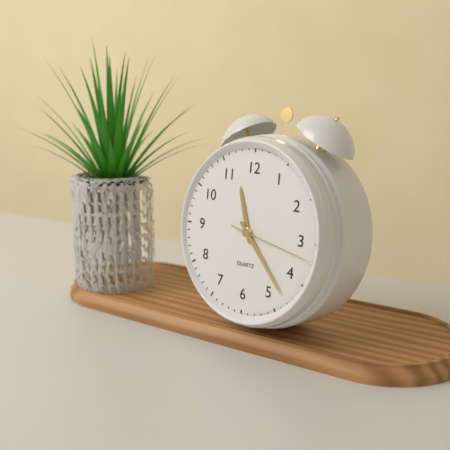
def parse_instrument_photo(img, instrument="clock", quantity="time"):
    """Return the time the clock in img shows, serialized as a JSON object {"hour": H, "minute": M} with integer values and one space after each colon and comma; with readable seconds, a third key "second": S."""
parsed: {"hour": 11, "minute": 23, "second": 17}
